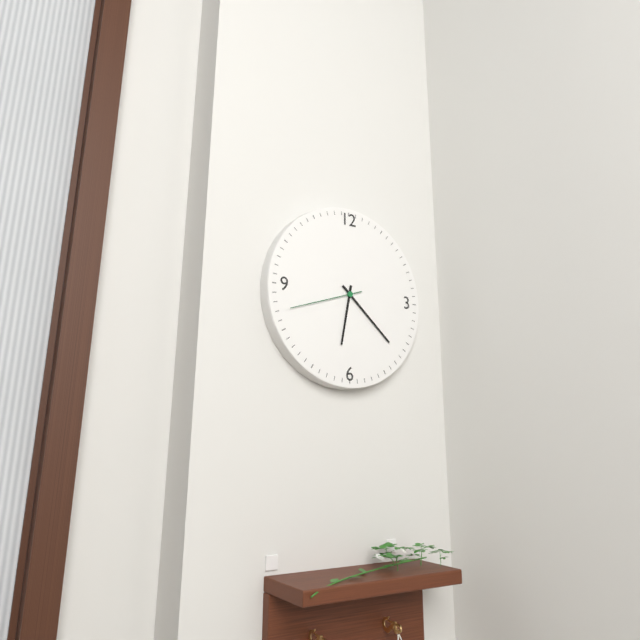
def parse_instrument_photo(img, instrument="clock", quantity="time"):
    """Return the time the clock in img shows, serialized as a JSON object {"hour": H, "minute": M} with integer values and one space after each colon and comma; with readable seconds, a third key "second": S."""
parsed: {"hour": 6, "minute": 22, "second": 42}
